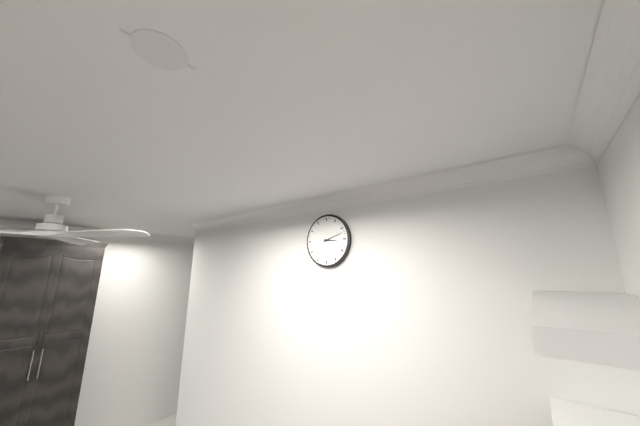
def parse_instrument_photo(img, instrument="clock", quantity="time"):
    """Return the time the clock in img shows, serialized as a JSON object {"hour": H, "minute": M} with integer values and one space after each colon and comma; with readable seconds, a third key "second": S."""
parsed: {"hour": 3, "minute": 12}
